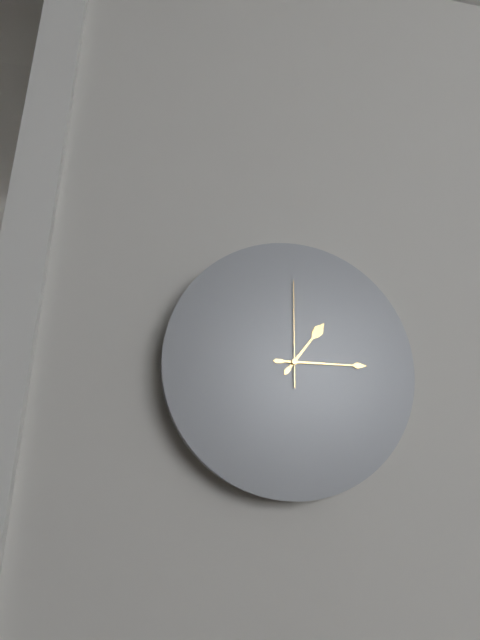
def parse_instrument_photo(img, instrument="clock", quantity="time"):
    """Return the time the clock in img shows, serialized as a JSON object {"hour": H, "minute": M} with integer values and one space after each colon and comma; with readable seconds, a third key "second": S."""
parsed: {"hour": 1, "minute": 15, "second": 0}
